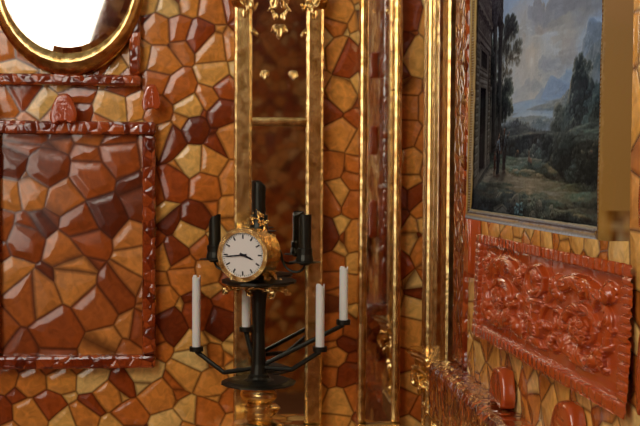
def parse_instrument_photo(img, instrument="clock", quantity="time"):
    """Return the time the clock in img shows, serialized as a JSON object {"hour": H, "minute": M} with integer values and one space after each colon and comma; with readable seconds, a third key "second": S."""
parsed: {"hour": 3, "minute": 44}
